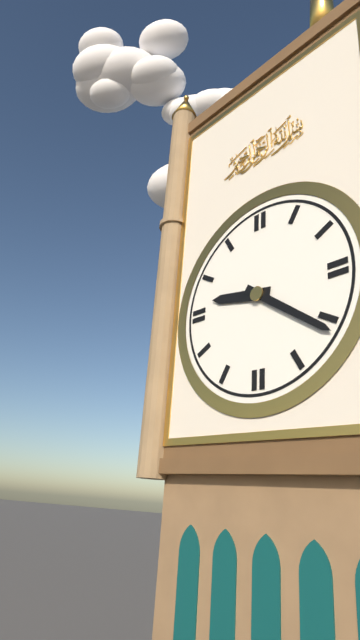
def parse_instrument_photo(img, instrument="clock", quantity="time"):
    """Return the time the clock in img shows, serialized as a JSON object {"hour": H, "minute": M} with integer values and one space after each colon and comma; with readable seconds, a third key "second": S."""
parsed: {"hour": 9, "minute": 21}
